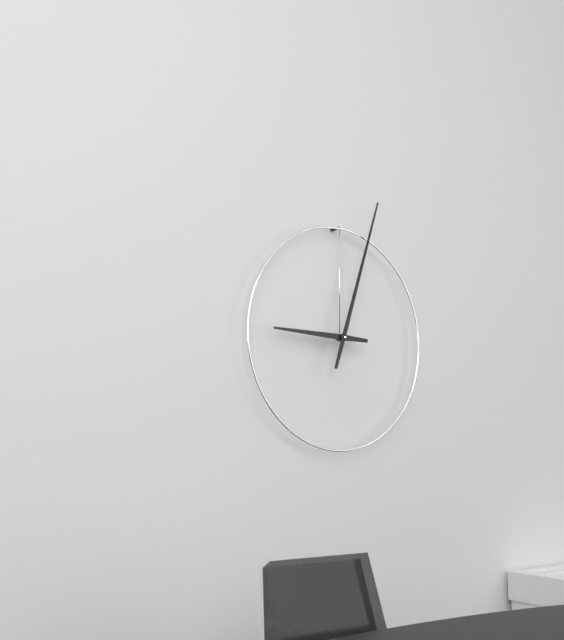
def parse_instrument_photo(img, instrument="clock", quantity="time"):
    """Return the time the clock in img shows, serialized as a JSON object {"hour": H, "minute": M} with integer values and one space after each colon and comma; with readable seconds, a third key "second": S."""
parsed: {"hour": 9, "minute": 3}
